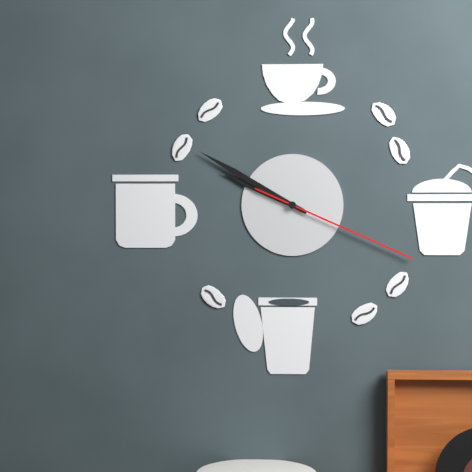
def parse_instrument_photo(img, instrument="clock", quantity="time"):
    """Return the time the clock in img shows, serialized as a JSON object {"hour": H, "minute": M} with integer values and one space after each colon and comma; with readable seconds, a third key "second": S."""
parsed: {"hour": 9, "minute": 50, "second": 19}
